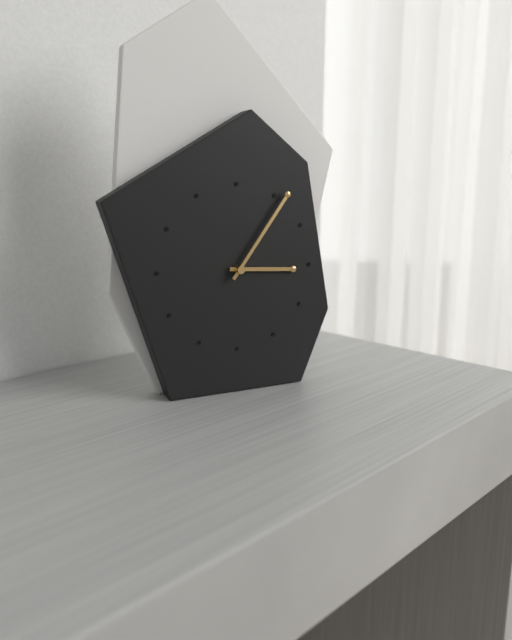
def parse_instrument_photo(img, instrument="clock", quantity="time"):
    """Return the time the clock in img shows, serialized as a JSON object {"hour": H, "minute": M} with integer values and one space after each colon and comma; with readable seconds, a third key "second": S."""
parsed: {"hour": 3, "minute": 6}
